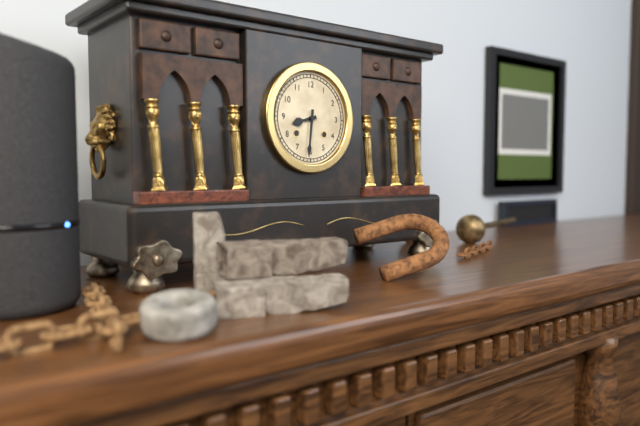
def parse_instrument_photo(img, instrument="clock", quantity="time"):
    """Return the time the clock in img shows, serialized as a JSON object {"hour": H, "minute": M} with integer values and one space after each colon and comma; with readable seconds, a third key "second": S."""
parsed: {"hour": 8, "minute": 31}
